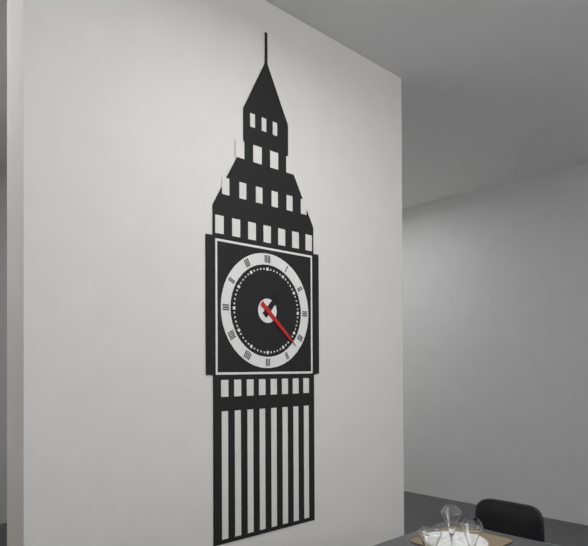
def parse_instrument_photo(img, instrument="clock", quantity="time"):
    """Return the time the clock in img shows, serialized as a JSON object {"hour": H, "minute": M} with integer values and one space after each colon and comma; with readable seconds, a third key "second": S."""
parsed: {"hour": 1, "minute": 22}
